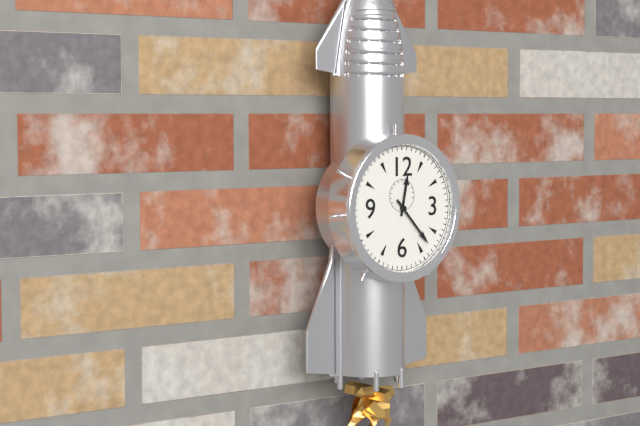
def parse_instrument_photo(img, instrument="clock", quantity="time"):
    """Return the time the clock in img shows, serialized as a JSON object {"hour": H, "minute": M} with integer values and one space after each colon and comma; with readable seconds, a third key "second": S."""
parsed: {"hour": 12, "minute": 23}
